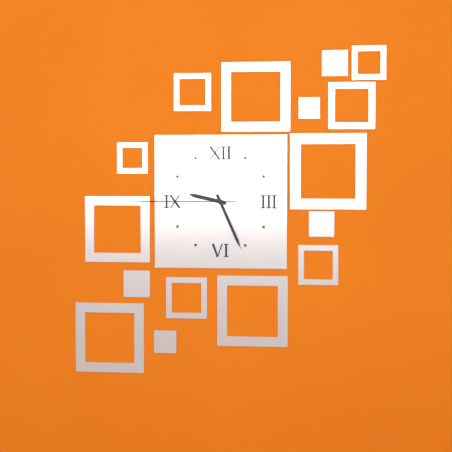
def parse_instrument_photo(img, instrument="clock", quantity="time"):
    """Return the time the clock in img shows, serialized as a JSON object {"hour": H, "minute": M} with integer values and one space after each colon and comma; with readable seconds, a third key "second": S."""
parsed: {"hour": 9, "minute": 26, "second": 45}
